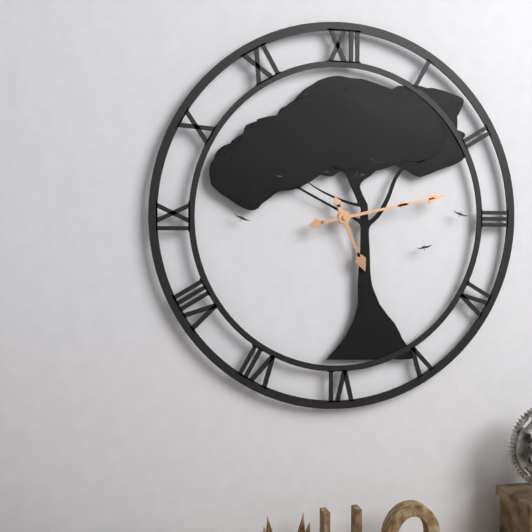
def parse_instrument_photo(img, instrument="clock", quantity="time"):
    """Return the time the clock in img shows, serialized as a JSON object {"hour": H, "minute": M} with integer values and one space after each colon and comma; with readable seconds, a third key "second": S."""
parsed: {"hour": 5, "minute": 13}
